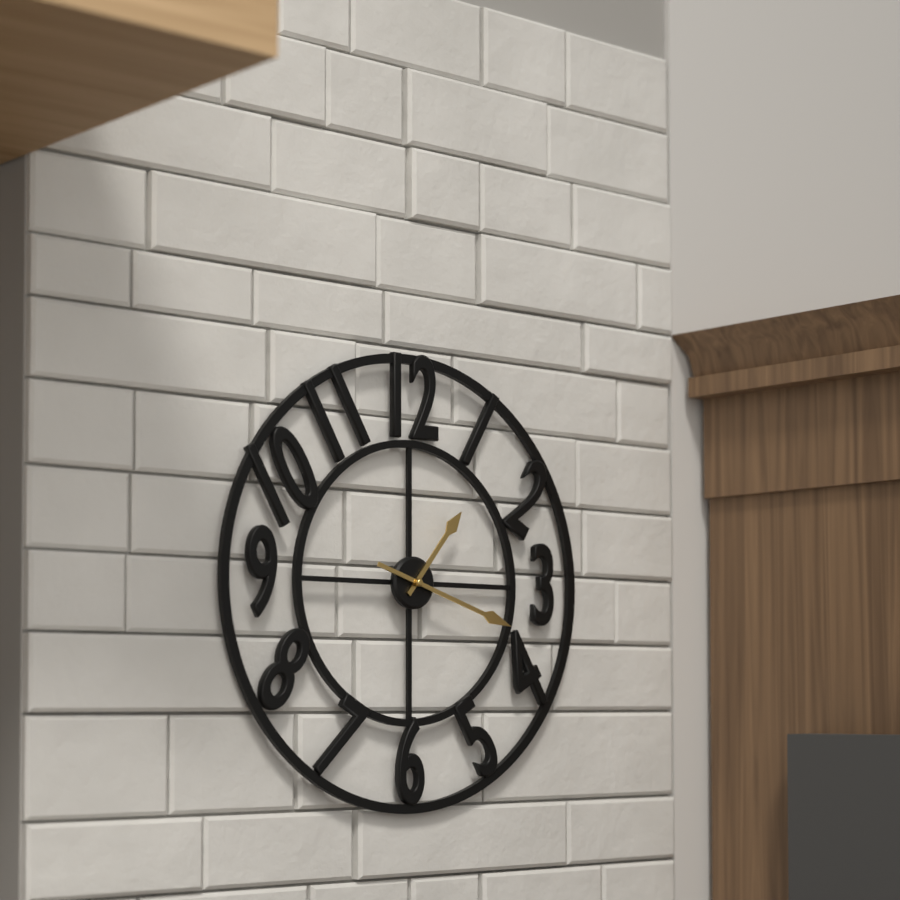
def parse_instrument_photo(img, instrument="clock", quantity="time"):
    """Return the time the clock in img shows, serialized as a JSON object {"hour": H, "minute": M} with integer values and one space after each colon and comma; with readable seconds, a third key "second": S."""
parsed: {"hour": 1, "minute": 18}
